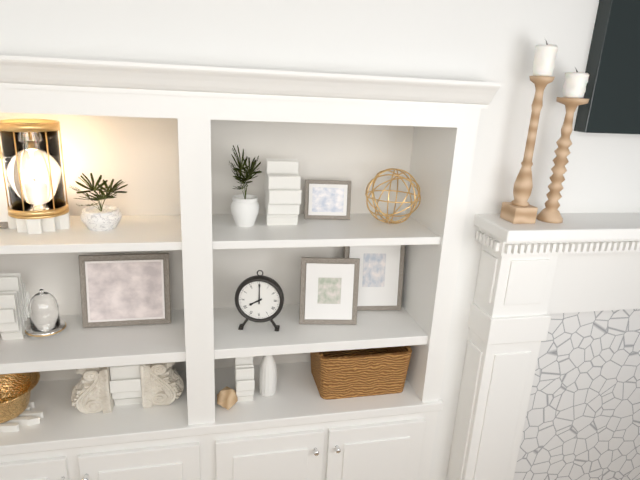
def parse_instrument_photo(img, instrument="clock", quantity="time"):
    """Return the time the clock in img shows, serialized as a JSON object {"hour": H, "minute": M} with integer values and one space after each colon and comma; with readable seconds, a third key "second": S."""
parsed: {"hour": 8, "minute": 0}
